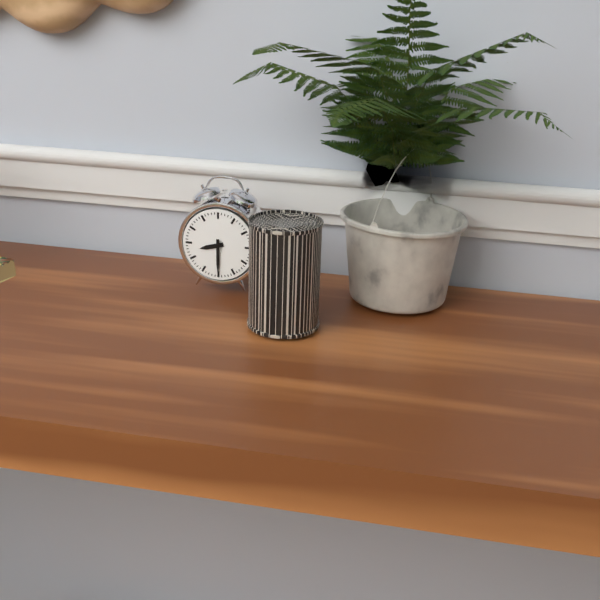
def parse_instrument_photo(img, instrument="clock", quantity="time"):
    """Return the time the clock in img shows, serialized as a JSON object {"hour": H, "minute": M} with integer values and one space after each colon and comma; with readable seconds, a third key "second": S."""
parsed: {"hour": 8, "minute": 30}
